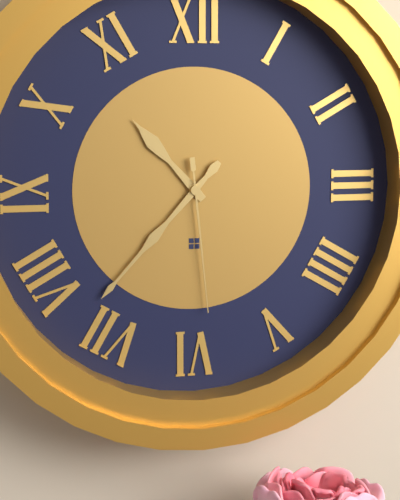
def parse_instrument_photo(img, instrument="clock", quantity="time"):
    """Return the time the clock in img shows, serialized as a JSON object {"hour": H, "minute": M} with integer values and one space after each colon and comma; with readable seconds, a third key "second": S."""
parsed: {"hour": 10, "minute": 37, "second": 29}
